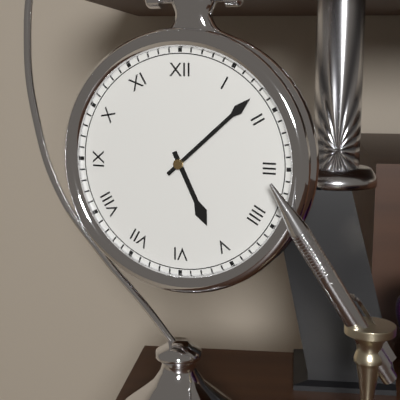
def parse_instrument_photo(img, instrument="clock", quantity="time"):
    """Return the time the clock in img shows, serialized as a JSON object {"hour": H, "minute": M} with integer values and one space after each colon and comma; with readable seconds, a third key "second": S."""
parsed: {"hour": 5, "minute": 8}
